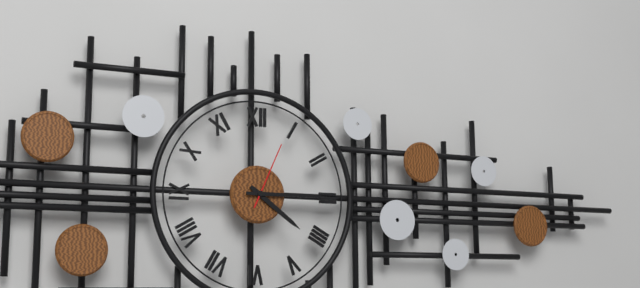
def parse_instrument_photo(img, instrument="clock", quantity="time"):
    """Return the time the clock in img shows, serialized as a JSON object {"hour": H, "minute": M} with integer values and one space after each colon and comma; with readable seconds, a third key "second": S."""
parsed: {"hour": 4, "minute": 15, "second": 4}
